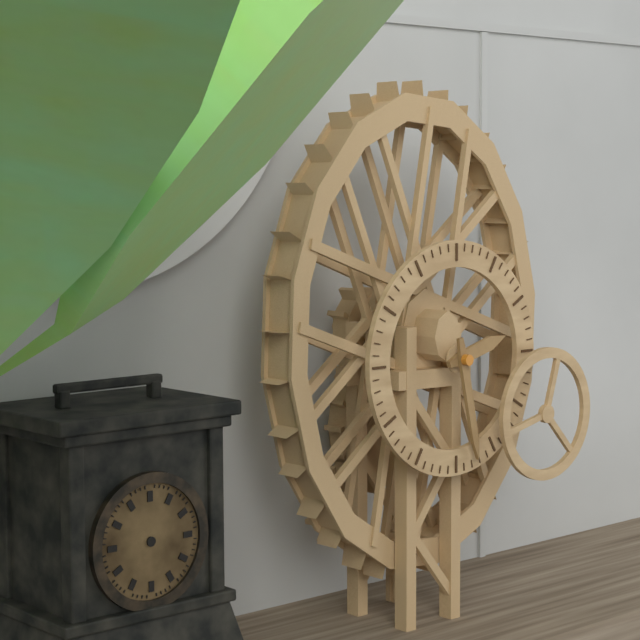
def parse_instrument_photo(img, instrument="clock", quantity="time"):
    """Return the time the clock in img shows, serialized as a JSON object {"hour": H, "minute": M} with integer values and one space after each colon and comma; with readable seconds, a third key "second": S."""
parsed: {"hour": 2, "minute": 28}
